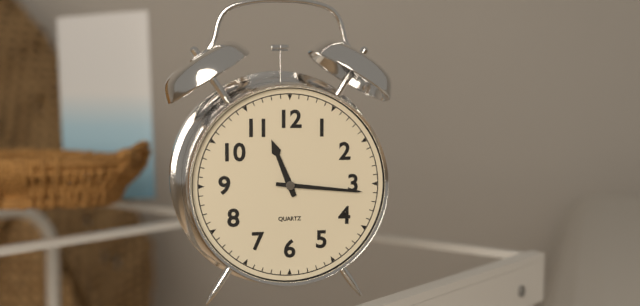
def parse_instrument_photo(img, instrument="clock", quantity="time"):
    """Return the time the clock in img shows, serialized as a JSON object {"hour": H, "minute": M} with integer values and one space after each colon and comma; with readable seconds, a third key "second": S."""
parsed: {"hour": 11, "minute": 16}
